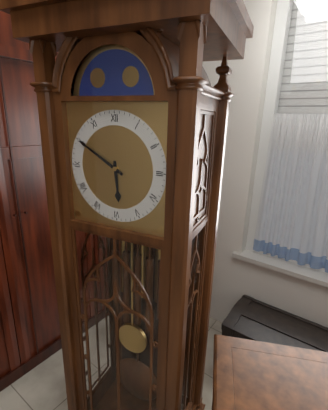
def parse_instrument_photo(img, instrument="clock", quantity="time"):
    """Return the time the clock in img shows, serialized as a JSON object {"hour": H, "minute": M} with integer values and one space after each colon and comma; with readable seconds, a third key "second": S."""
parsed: {"hour": 5, "minute": 50}
